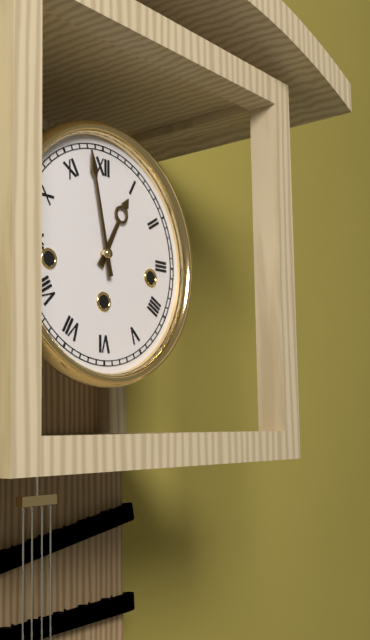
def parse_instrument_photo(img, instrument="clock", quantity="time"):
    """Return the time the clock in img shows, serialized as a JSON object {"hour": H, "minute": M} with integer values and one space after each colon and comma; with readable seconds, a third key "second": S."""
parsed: {"hour": 12, "minute": 58}
